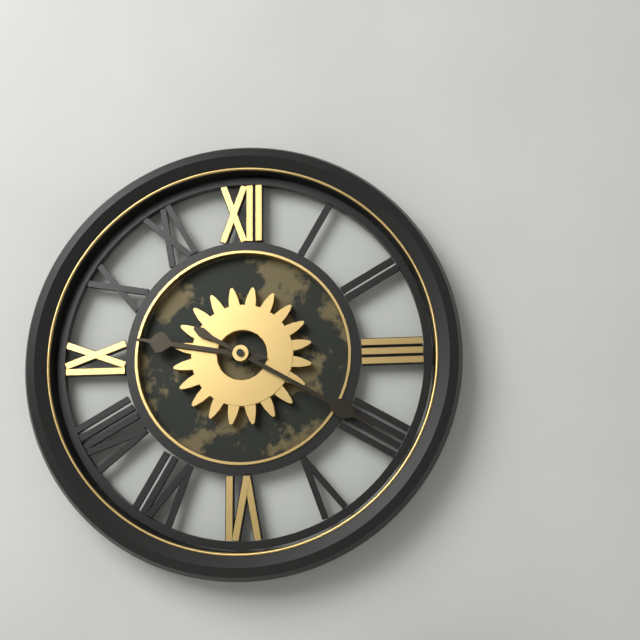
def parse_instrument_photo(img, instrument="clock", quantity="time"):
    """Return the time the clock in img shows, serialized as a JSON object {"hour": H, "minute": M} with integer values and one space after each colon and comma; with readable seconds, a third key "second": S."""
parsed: {"hour": 9, "minute": 20}
